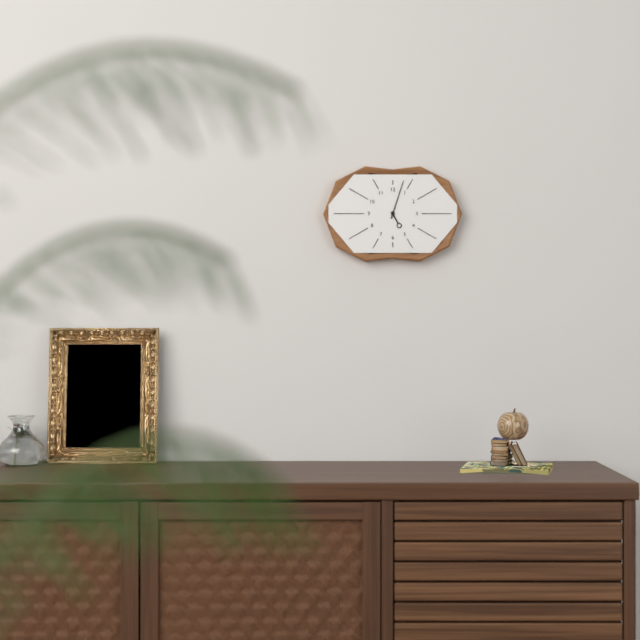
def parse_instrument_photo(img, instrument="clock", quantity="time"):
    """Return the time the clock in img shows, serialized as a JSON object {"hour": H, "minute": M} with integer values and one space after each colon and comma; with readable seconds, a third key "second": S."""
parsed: {"hour": 5, "minute": 3}
